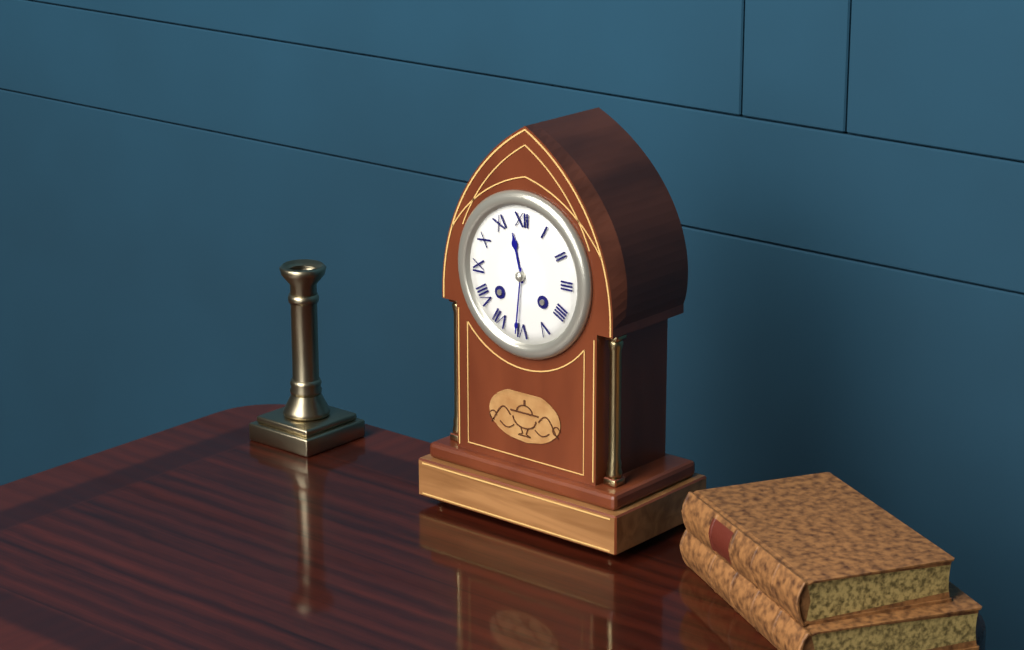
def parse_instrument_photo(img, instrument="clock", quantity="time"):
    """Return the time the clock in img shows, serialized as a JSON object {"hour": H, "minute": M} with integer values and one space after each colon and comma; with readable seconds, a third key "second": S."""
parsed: {"hour": 11, "minute": 31}
